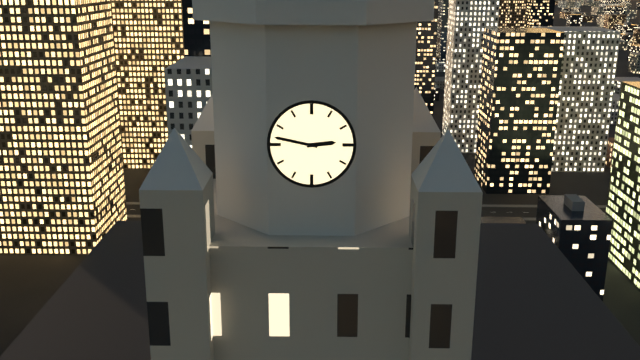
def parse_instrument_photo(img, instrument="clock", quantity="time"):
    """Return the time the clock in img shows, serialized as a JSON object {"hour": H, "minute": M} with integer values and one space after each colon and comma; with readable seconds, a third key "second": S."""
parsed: {"hour": 2, "minute": 47}
